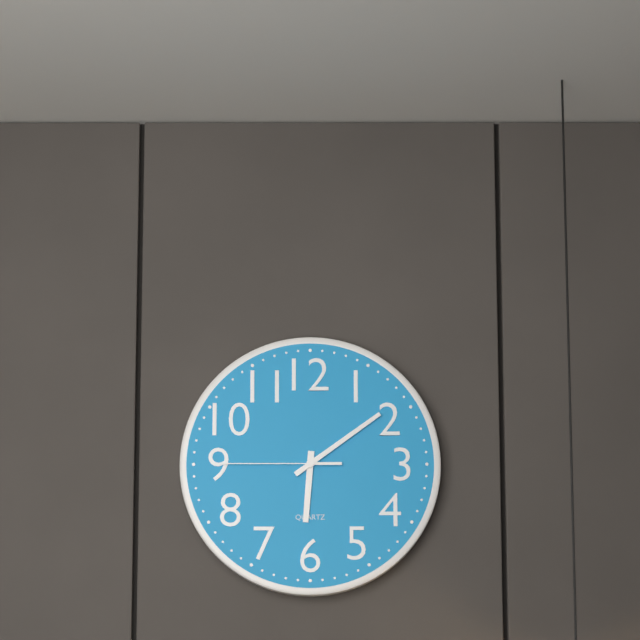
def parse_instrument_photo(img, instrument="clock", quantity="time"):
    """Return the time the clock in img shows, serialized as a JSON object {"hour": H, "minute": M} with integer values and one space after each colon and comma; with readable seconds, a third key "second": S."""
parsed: {"hour": 6, "minute": 9, "second": 45}
